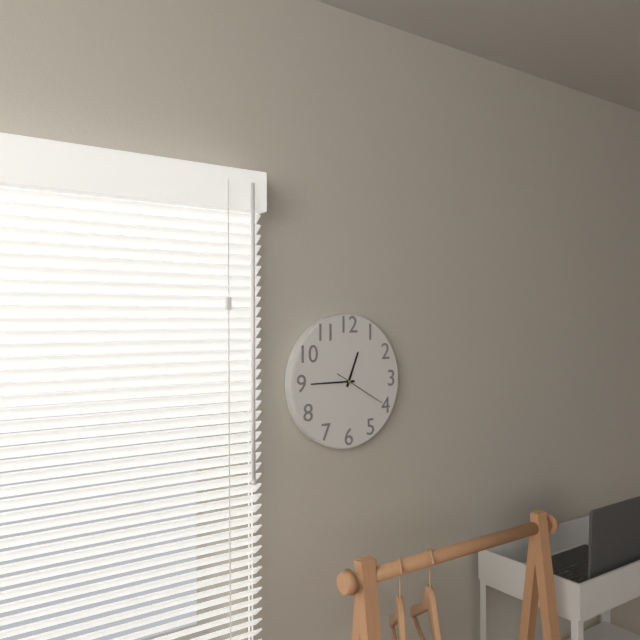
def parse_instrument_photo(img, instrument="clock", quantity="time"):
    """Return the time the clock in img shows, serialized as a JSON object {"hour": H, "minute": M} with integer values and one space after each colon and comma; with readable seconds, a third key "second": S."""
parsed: {"hour": 12, "minute": 45}
